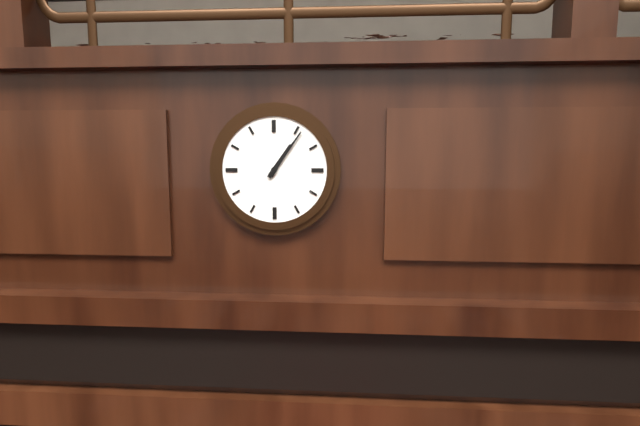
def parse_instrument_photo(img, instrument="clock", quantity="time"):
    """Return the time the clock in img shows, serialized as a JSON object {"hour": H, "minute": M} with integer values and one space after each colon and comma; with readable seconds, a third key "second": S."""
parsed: {"hour": 1, "minute": 6}
